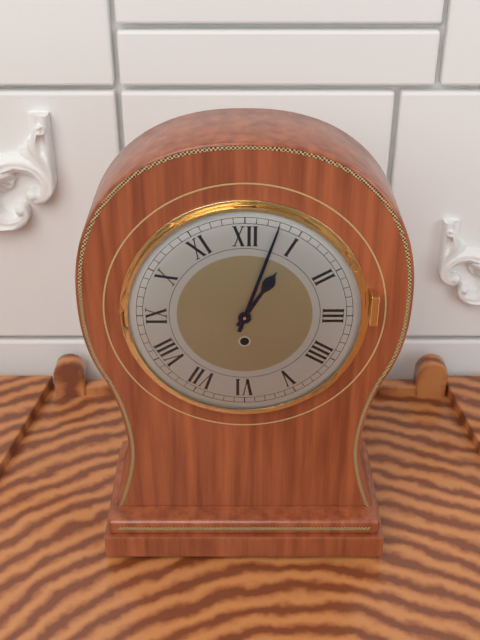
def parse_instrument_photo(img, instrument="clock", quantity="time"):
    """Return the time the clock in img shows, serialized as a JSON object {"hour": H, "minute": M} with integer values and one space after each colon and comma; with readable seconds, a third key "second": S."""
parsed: {"hour": 1, "minute": 3}
